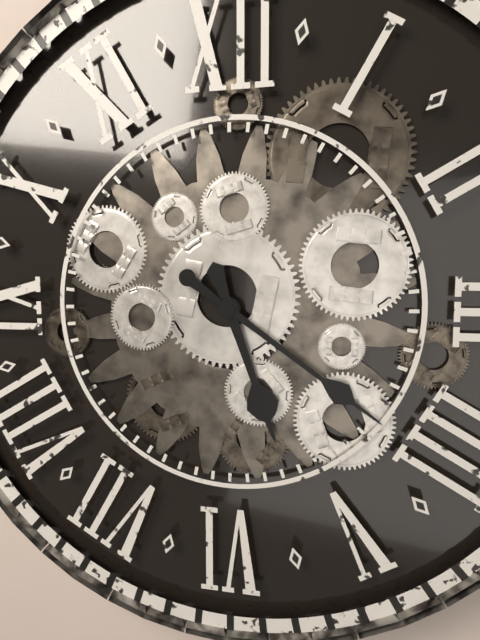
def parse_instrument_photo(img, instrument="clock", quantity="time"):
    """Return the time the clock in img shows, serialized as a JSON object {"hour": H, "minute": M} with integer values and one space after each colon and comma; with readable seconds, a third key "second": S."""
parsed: {"hour": 5, "minute": 21}
